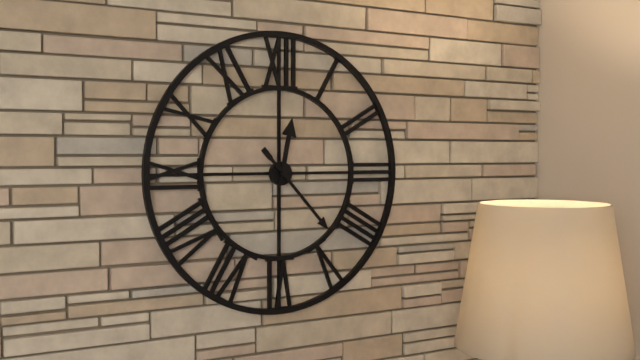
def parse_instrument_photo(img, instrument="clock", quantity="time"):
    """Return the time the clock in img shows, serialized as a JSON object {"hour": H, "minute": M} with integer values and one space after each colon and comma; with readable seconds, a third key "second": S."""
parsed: {"hour": 12, "minute": 23}
